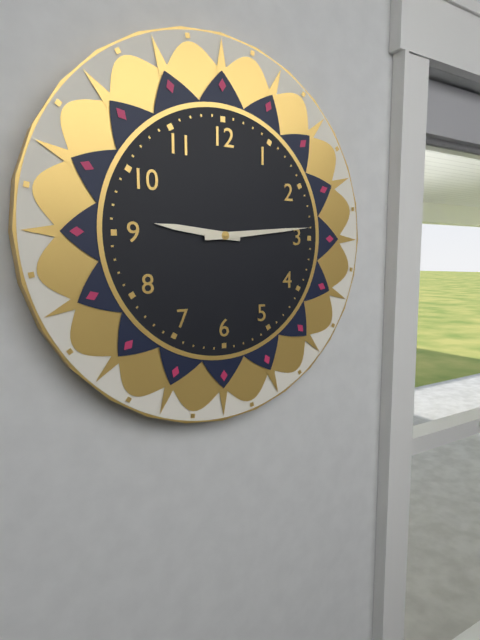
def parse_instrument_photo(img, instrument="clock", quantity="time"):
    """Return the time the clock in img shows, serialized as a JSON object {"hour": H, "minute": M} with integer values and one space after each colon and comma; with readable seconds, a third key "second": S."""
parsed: {"hour": 9, "minute": 14}
